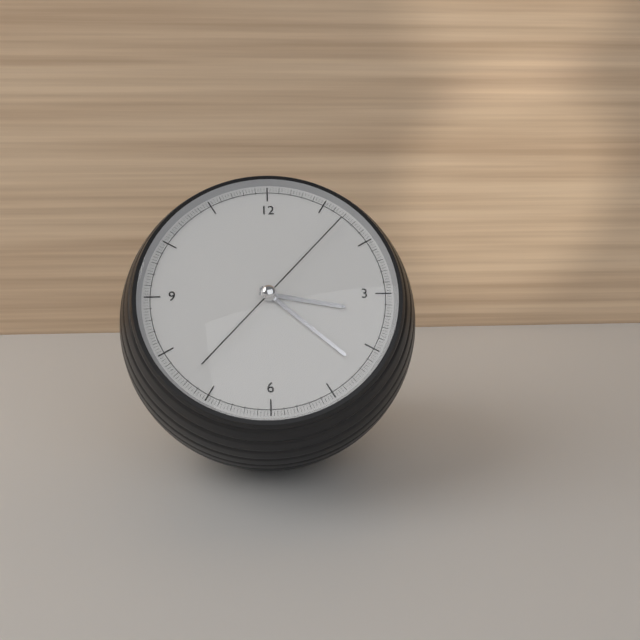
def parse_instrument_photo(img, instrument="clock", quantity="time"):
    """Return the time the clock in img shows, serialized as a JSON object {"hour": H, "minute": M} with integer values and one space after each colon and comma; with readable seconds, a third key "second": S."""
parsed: {"hour": 3, "minute": 22, "second": 7}
